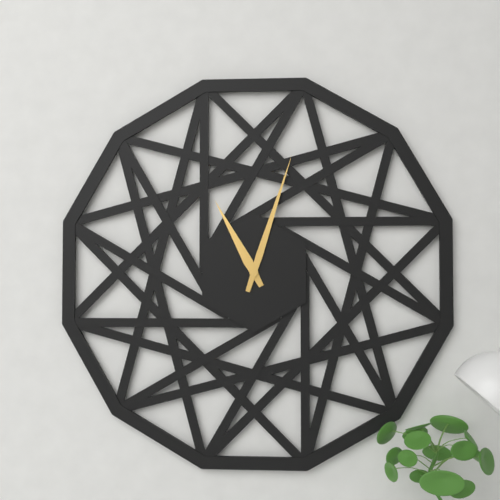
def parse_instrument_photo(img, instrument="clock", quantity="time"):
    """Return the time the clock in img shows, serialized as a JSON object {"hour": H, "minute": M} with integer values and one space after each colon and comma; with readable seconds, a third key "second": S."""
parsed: {"hour": 11, "minute": 3}
